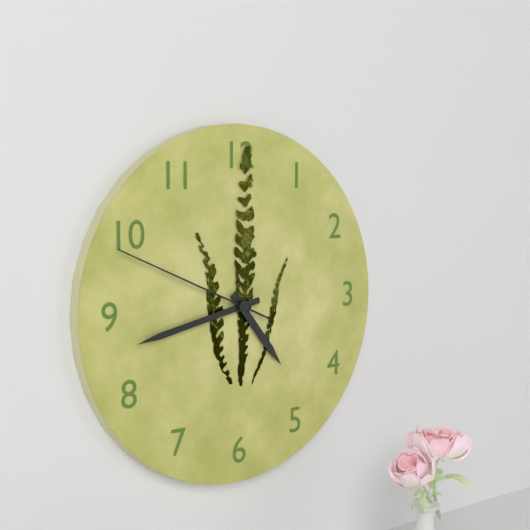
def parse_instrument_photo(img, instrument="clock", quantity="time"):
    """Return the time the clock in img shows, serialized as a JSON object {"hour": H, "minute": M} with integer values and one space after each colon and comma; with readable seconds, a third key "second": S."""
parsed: {"hour": 4, "minute": 43, "second": 49}
